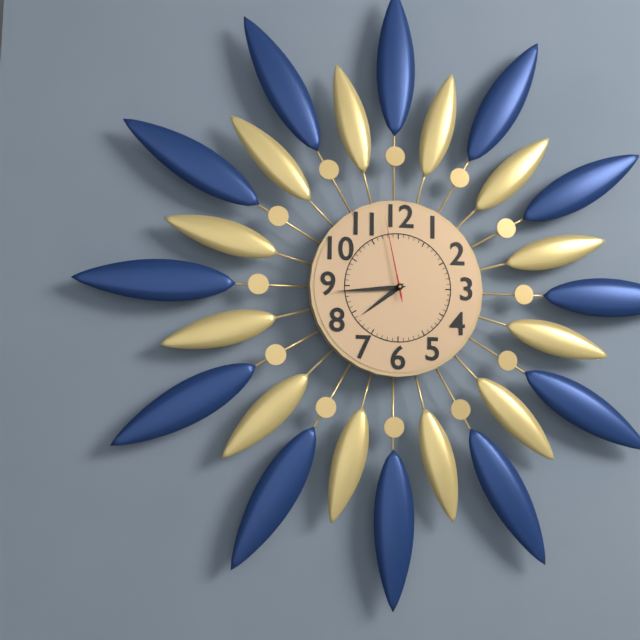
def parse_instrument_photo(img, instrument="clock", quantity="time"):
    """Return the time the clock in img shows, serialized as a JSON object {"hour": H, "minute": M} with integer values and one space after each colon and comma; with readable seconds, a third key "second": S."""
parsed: {"hour": 7, "minute": 44, "second": 58}
